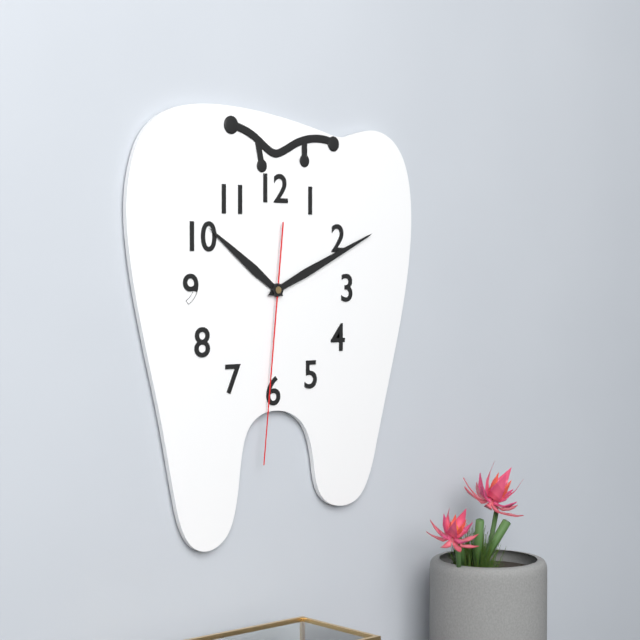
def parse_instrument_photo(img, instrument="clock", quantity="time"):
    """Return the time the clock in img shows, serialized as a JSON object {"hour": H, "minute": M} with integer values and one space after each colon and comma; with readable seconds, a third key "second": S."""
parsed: {"hour": 10, "minute": 11, "second": 31}
